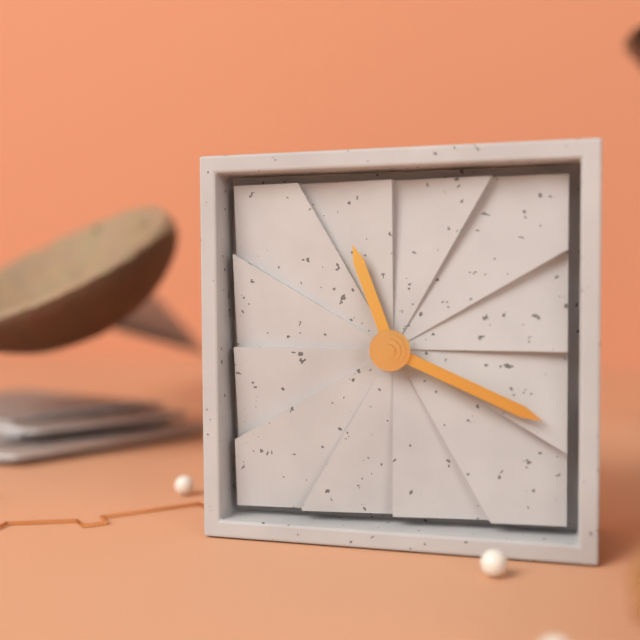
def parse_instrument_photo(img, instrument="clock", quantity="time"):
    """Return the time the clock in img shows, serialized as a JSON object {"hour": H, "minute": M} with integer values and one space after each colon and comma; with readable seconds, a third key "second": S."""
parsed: {"hour": 11, "minute": 19}
